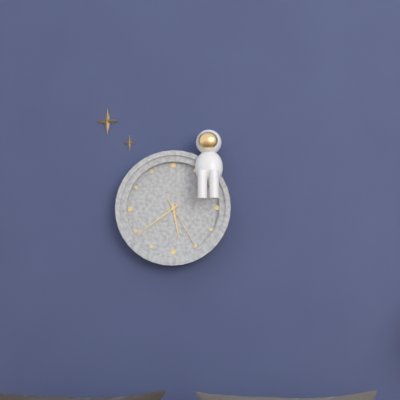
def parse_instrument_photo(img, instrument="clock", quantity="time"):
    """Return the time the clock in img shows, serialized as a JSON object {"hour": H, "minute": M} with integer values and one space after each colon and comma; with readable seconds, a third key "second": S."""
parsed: {"hour": 5, "minute": 39, "second": 25}
